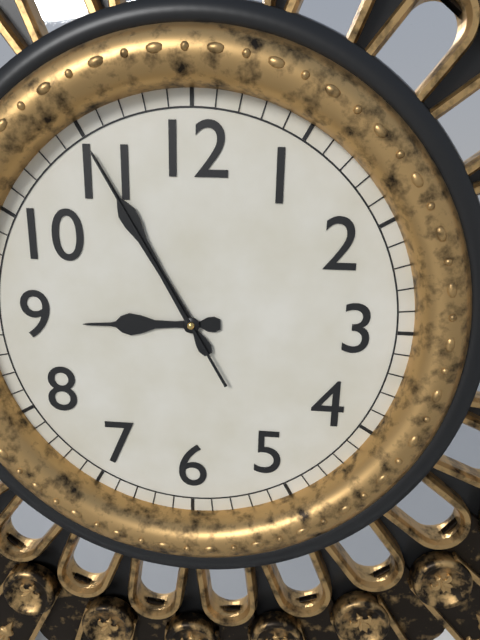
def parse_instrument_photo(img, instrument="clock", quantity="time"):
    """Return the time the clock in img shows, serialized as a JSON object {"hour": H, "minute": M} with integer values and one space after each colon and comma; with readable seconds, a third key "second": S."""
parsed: {"hour": 8, "minute": 55, "second": 55}
